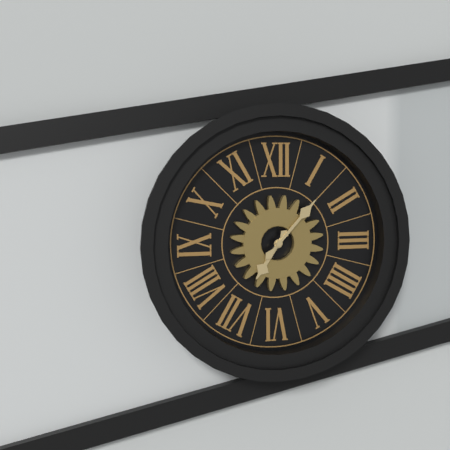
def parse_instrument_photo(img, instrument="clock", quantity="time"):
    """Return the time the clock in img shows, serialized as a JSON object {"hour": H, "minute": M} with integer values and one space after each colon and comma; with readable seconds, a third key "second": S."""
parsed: {"hour": 7, "minute": 7}
